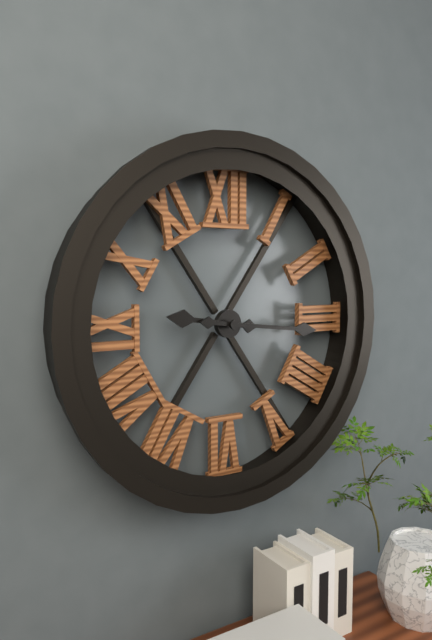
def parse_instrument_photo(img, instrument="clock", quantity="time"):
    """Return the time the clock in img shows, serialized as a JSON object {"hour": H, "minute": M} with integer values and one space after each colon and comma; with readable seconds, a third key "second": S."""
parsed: {"hour": 9, "minute": 16}
